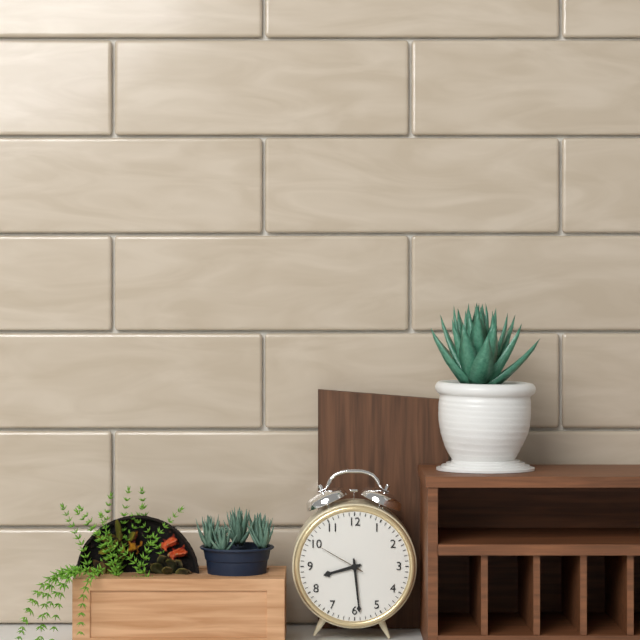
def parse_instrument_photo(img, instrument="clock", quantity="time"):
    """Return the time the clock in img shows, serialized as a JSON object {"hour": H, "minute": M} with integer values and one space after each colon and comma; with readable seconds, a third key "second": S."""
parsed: {"hour": 8, "minute": 29}
